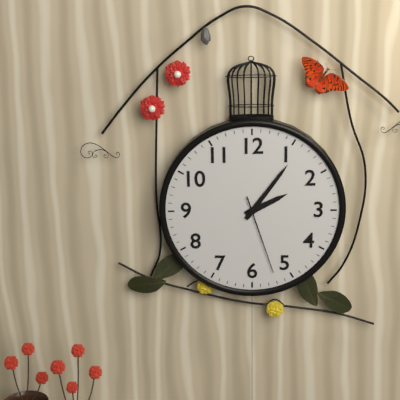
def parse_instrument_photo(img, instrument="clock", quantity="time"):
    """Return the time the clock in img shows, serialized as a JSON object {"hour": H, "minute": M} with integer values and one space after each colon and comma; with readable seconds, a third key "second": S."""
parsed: {"hour": 2, "minute": 6, "second": 27}
